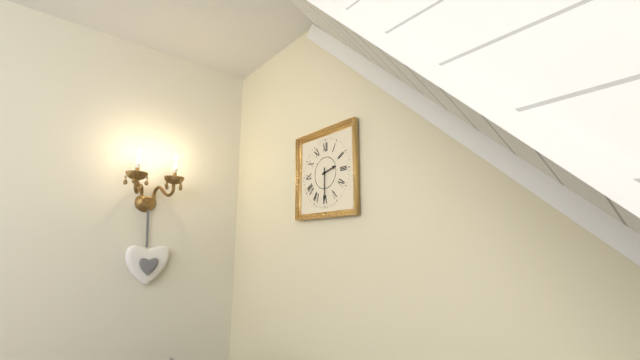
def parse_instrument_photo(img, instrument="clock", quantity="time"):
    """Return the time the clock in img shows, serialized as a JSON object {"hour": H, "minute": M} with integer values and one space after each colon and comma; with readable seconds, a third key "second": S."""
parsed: {"hour": 2, "minute": 30}
